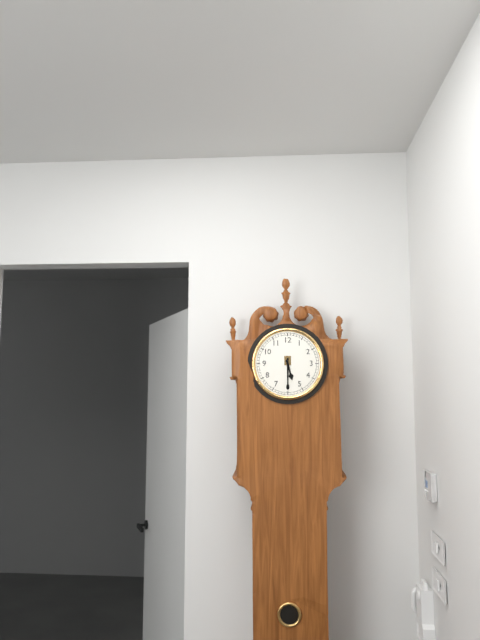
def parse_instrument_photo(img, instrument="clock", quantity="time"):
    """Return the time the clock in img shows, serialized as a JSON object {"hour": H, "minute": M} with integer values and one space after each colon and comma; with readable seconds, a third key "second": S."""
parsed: {"hour": 5, "minute": 30}
